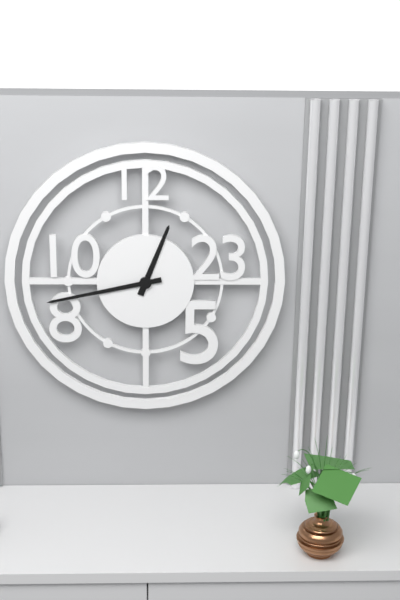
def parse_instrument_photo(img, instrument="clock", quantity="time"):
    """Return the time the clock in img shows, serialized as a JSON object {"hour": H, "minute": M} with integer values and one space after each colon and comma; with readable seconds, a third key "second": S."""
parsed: {"hour": 12, "minute": 43}
